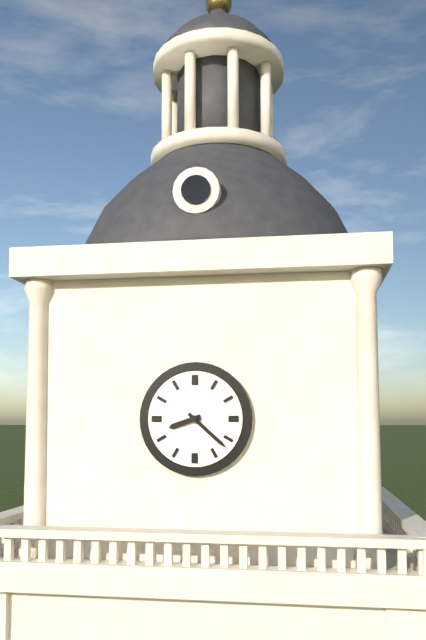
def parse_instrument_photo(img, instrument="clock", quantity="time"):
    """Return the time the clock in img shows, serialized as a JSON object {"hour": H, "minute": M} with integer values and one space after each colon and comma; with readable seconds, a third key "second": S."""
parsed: {"hour": 8, "minute": 22}
